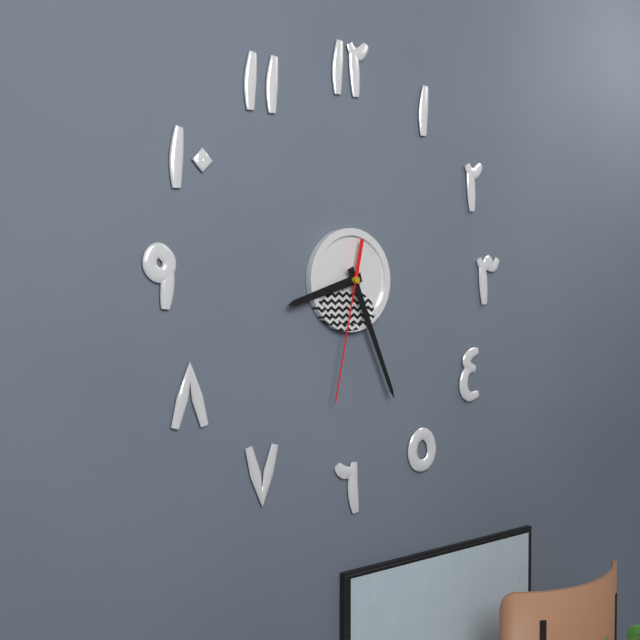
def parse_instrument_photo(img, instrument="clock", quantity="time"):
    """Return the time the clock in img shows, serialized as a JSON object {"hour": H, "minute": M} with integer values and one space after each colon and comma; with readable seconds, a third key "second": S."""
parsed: {"hour": 8, "minute": 26, "second": 32}
